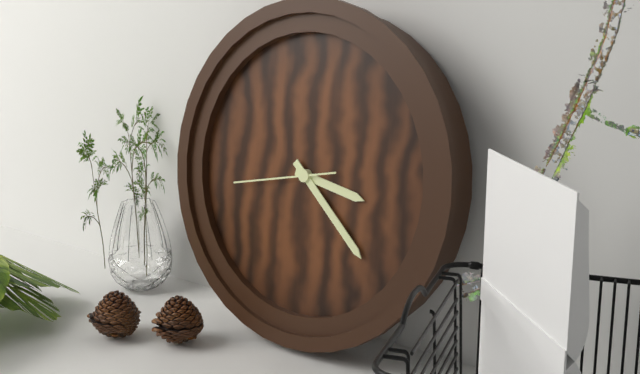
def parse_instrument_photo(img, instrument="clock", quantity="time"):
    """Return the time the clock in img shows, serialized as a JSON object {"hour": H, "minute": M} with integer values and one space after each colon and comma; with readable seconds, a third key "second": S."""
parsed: {"hour": 3, "minute": 22, "second": 43}
